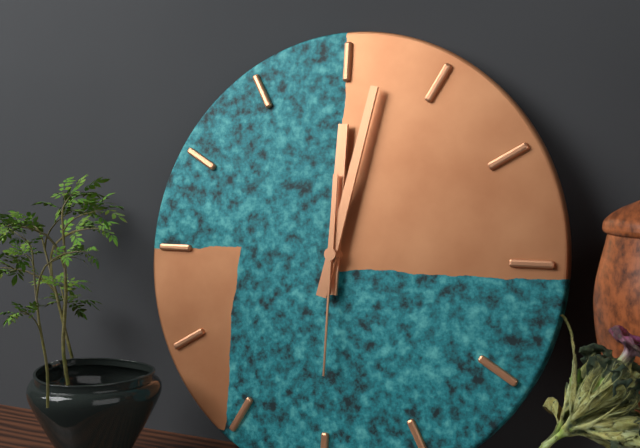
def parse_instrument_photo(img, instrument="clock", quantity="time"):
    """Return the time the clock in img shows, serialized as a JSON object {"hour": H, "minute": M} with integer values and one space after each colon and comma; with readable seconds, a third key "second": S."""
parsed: {"hour": 12, "minute": 2, "second": 30}
